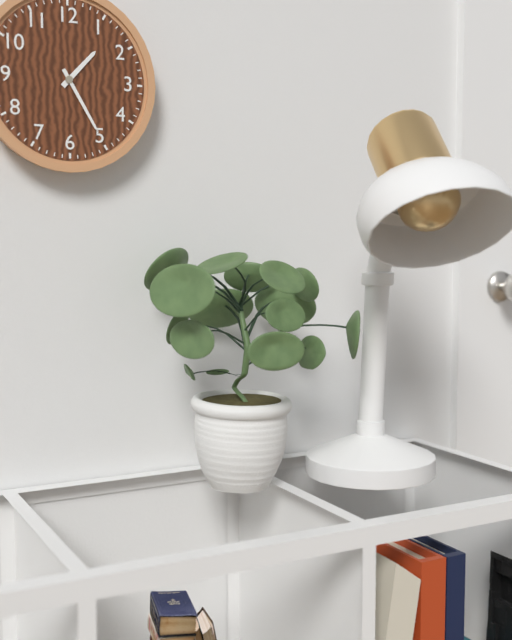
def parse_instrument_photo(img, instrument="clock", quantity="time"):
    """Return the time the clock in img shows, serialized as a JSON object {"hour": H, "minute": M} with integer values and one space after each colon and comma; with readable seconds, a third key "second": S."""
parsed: {"hour": 1, "minute": 25}
